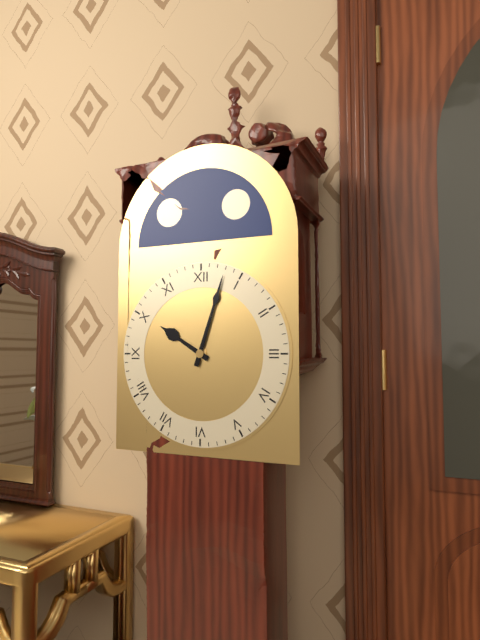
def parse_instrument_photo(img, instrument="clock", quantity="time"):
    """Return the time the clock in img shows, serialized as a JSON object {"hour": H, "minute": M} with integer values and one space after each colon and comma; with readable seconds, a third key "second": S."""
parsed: {"hour": 10, "minute": 3}
